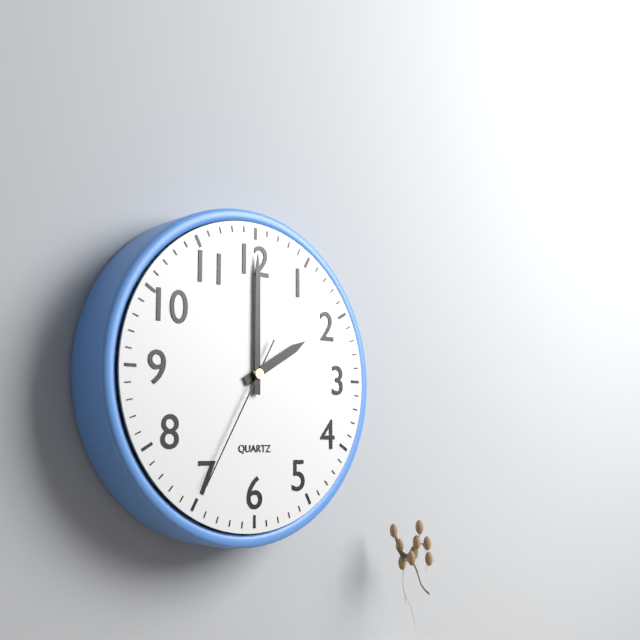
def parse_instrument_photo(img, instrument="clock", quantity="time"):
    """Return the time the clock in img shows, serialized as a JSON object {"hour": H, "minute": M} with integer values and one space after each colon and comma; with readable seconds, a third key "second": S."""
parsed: {"hour": 2, "minute": 0, "second": 35}
